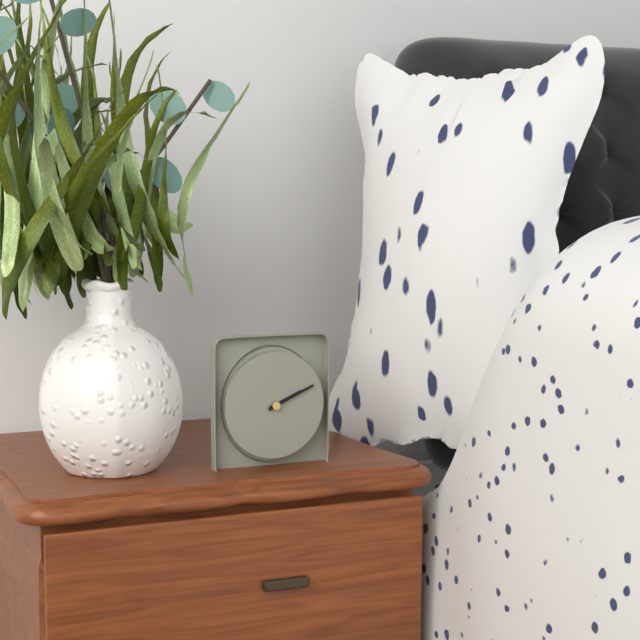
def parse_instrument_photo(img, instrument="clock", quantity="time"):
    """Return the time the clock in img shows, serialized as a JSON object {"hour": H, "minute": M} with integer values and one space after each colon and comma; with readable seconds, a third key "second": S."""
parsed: {"hour": 2, "minute": 11}
